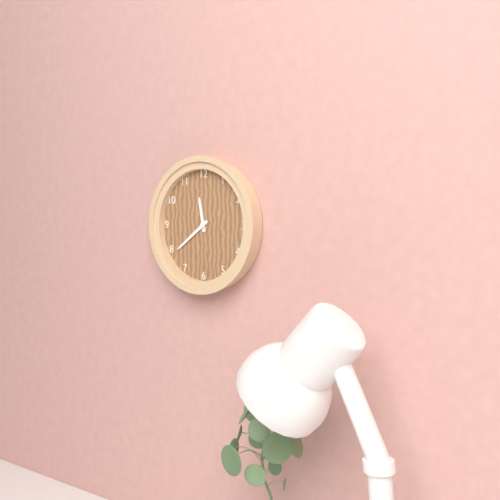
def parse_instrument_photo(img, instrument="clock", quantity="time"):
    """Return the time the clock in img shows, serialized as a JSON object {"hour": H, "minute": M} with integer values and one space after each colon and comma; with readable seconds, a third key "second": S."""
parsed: {"hour": 11, "minute": 39}
